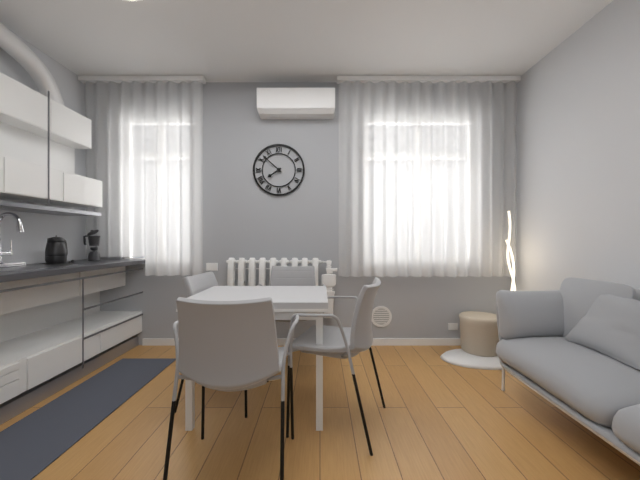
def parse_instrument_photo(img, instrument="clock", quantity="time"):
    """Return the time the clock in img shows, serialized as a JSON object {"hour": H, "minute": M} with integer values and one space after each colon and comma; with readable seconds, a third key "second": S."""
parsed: {"hour": 7, "minute": 52}
